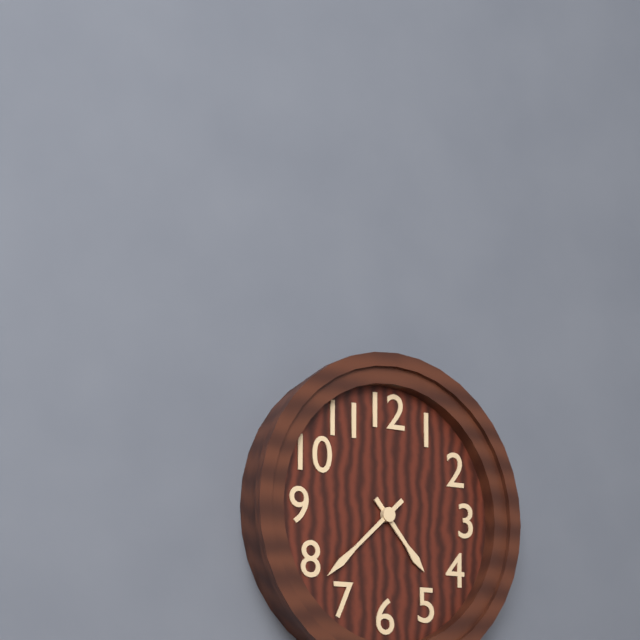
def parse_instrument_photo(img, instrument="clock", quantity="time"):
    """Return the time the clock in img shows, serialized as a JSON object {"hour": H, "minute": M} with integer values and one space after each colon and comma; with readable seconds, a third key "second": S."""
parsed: {"hour": 4, "minute": 38}
